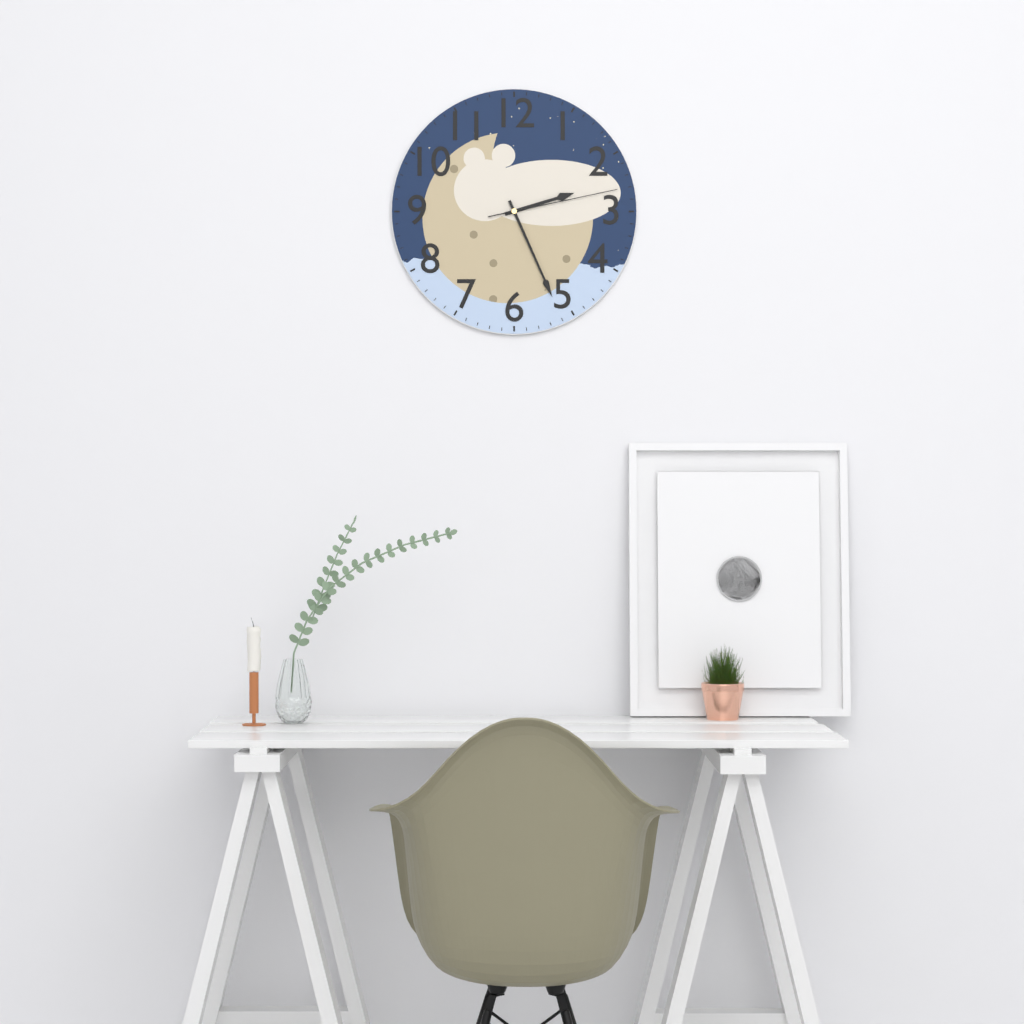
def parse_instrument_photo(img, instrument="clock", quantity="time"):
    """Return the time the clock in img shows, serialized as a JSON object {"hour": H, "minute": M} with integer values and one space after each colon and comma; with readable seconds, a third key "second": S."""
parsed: {"hour": 2, "minute": 26, "second": 13}
